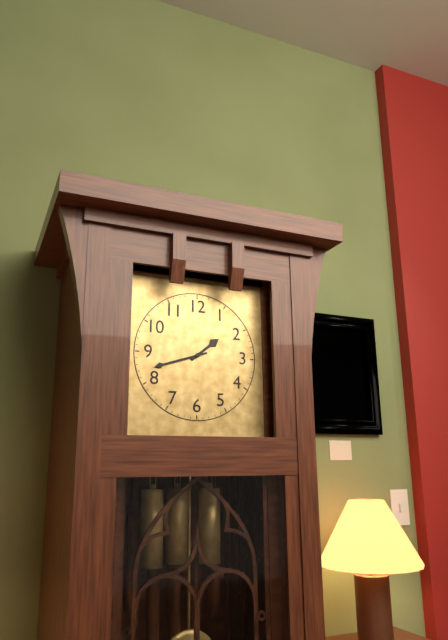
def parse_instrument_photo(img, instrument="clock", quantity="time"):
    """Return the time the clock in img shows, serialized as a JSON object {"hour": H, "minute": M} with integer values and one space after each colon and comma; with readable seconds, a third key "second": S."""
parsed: {"hour": 1, "minute": 42}
